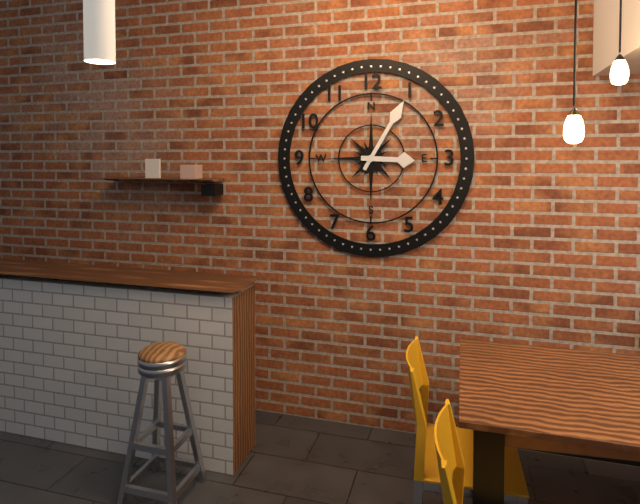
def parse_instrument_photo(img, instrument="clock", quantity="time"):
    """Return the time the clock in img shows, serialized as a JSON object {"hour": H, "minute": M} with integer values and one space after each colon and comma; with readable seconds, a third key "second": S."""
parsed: {"hour": 3, "minute": 5}
